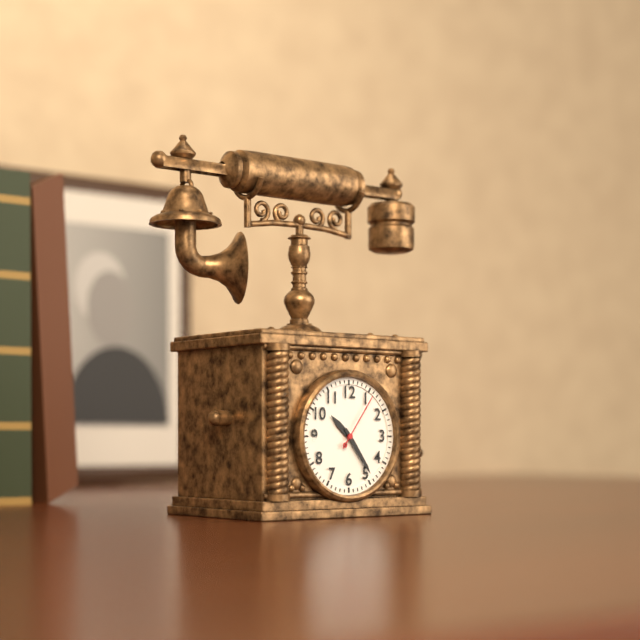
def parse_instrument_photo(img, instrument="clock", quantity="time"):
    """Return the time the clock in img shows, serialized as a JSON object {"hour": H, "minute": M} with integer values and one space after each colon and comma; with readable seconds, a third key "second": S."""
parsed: {"hour": 10, "minute": 24, "second": 6}
